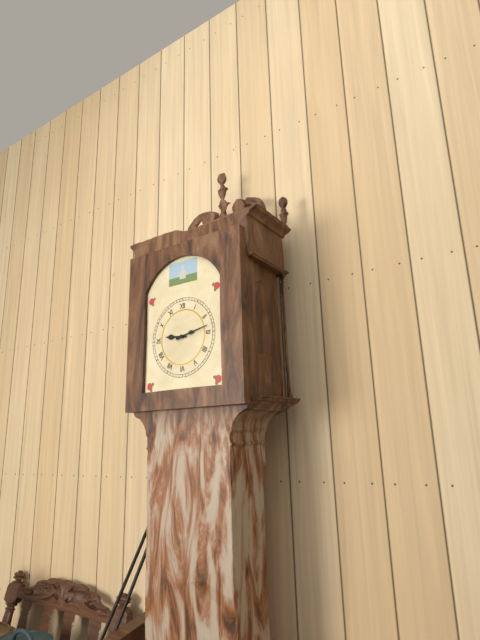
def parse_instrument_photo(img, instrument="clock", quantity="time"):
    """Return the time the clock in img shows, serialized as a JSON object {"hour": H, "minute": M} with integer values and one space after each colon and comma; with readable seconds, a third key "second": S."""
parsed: {"hour": 9, "minute": 13}
